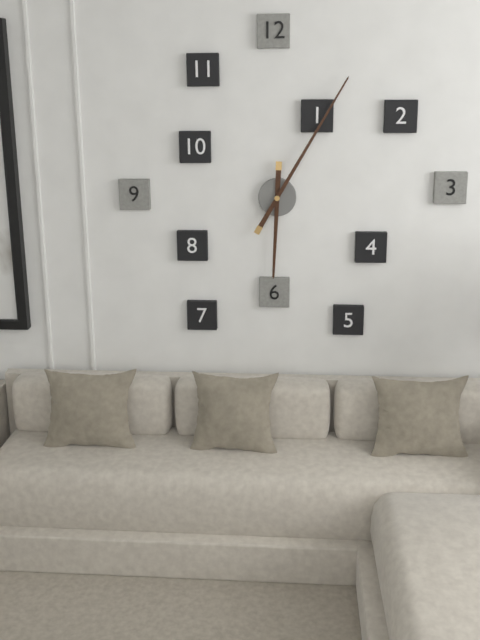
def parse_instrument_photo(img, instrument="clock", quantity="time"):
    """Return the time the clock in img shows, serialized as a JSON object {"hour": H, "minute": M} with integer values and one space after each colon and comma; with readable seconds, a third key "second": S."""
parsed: {"hour": 6, "minute": 5}
